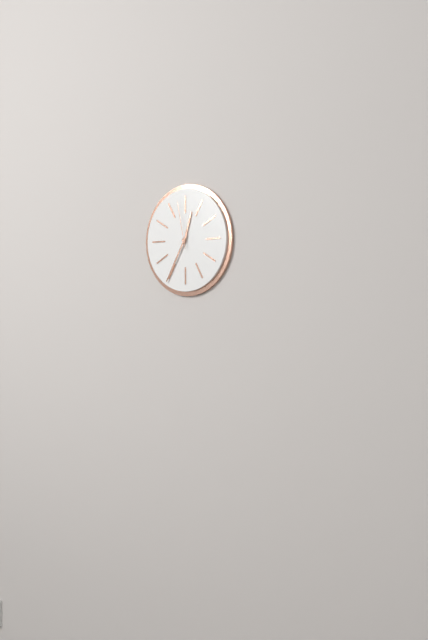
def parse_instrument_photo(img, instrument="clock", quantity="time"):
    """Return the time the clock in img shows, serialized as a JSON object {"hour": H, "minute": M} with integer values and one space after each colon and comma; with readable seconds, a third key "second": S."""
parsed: {"hour": 12, "minute": 35, "second": 58}
